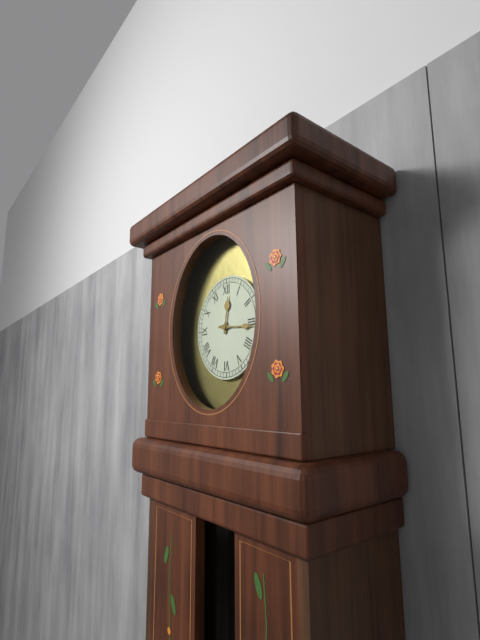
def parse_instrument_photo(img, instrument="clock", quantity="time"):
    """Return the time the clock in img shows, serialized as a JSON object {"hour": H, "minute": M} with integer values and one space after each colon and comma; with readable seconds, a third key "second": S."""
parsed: {"hour": 12, "minute": 16}
